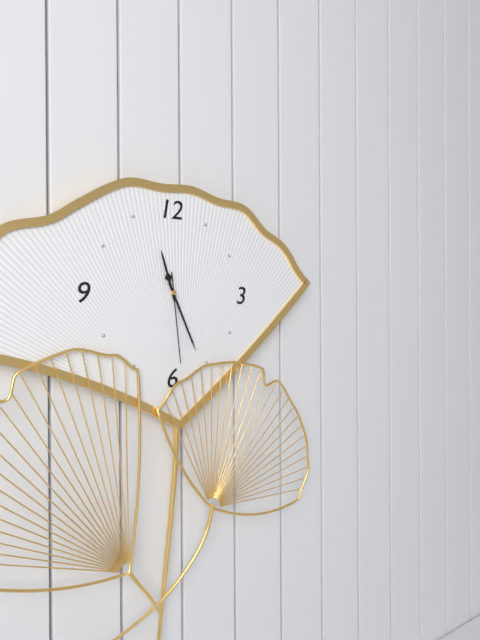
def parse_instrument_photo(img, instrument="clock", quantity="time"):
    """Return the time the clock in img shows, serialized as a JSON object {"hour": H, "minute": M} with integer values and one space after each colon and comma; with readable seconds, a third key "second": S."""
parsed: {"hour": 11, "minute": 26, "second": 29}
